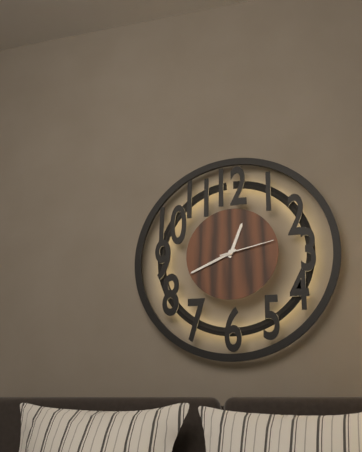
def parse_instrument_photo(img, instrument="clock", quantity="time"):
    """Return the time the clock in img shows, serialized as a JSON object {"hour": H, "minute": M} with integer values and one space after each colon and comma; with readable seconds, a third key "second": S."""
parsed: {"hour": 12, "minute": 41, "second": 13}
